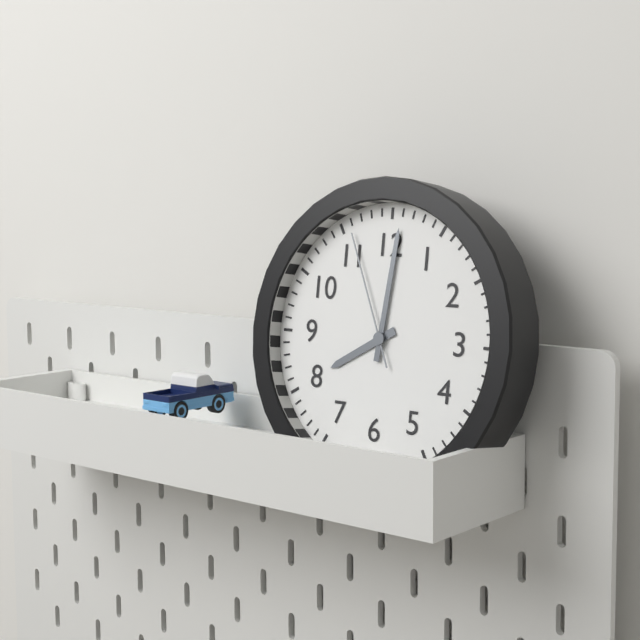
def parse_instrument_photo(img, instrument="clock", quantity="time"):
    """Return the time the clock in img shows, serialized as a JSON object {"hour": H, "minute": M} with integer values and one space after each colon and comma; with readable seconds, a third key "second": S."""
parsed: {"hour": 8, "minute": 1, "second": 56}
